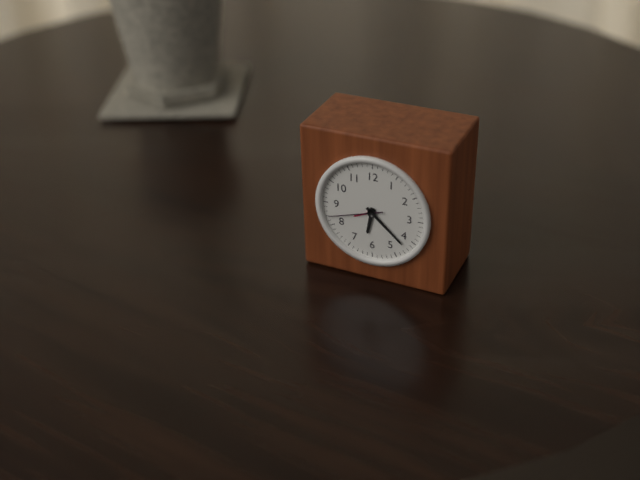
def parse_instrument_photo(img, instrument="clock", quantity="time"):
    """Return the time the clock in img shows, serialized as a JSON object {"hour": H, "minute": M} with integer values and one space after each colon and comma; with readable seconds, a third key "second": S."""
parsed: {"hour": 6, "minute": 22, "second": 42}
